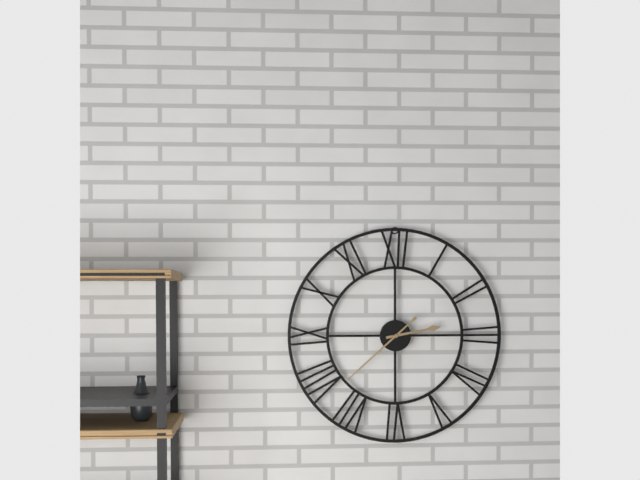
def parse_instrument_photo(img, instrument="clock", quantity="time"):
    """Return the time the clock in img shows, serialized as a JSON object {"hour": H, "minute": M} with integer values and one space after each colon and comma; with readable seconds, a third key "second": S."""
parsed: {"hour": 2, "minute": 38}
